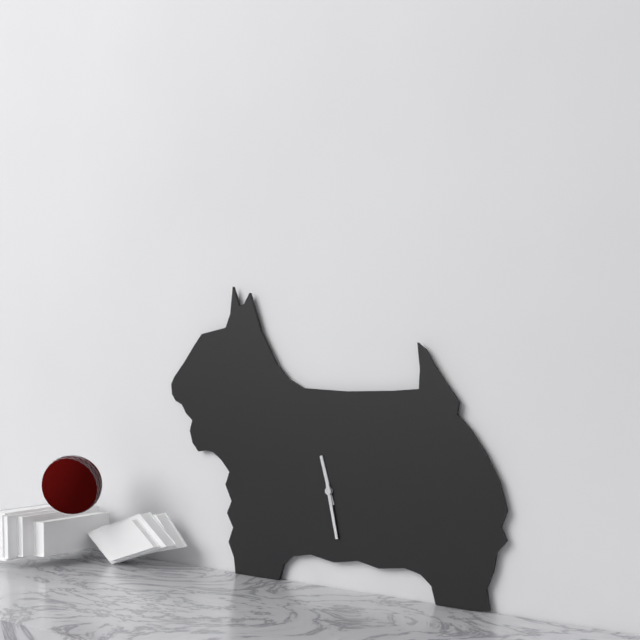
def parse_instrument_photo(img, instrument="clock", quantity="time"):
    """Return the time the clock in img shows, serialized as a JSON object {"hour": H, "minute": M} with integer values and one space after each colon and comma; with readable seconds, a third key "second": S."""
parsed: {"hour": 11, "minute": 28}
